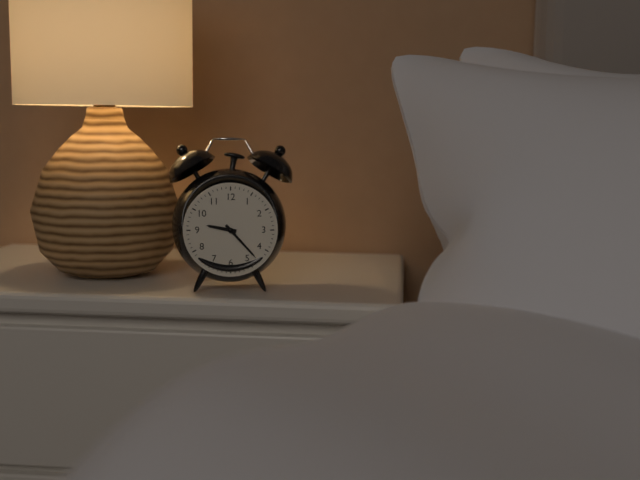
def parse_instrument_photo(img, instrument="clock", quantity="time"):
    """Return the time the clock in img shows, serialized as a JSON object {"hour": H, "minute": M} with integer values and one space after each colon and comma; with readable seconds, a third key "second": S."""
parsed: {"hour": 9, "minute": 23}
